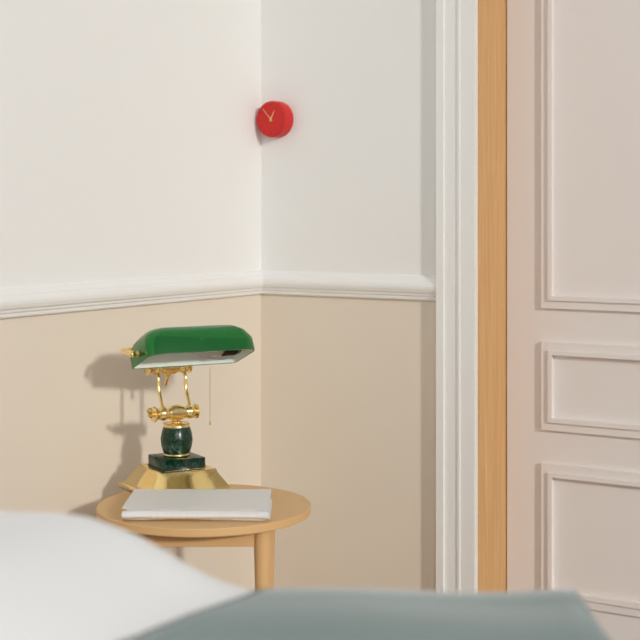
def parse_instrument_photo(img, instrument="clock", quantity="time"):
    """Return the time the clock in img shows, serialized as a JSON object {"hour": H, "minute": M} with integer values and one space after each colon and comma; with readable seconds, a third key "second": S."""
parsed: {"hour": 12, "minute": 53}
